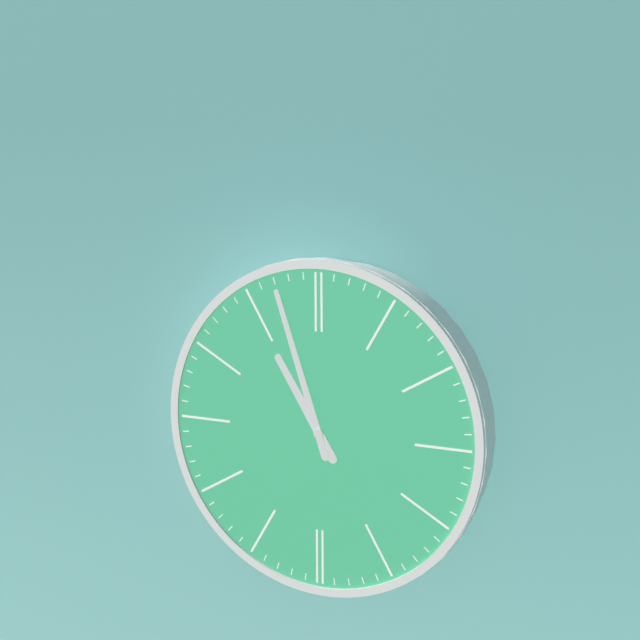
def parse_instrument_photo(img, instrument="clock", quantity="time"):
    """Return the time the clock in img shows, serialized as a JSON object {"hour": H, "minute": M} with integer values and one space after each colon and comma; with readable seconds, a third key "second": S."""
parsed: {"hour": 10, "minute": 57}
